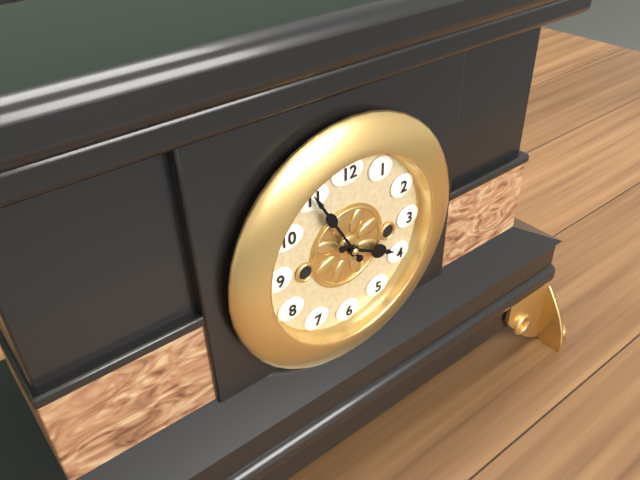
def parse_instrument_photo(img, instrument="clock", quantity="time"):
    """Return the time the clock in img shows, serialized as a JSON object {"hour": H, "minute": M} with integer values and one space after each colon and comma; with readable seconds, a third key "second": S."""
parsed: {"hour": 3, "minute": 55}
